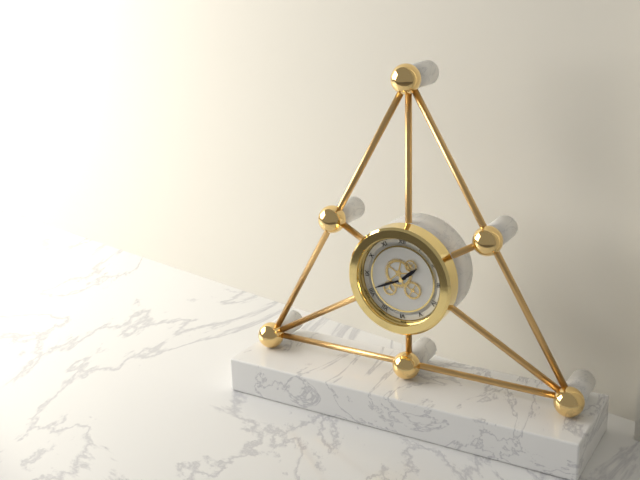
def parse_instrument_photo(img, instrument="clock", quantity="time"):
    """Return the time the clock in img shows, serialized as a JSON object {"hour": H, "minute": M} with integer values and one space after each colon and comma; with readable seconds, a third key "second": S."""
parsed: {"hour": 1, "minute": 41}
